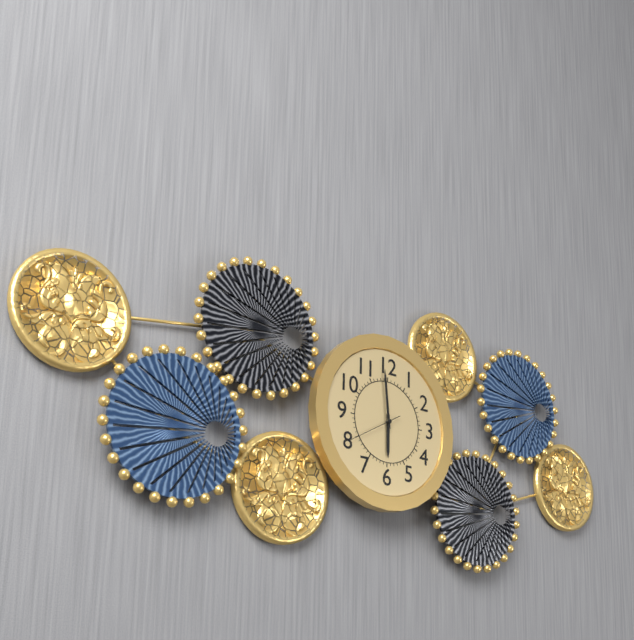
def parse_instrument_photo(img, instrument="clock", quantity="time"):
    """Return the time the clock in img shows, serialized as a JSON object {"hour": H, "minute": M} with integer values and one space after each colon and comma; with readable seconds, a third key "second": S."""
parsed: {"hour": 5, "minute": 59, "second": 40}
